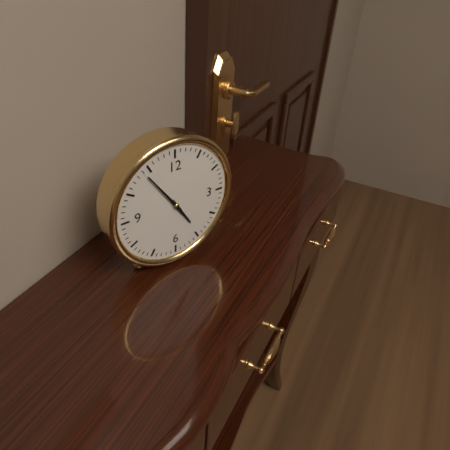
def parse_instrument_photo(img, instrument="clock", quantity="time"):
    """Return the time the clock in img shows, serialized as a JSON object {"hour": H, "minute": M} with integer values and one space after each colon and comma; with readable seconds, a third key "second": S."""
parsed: {"hour": 4, "minute": 54}
